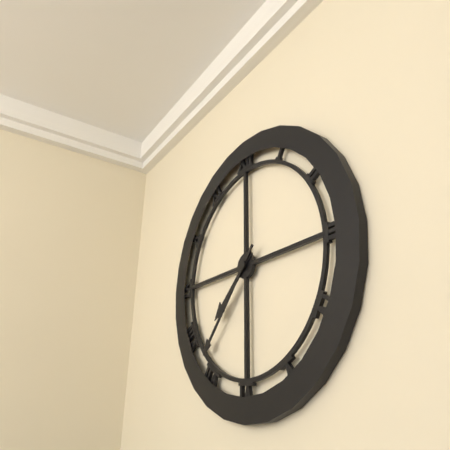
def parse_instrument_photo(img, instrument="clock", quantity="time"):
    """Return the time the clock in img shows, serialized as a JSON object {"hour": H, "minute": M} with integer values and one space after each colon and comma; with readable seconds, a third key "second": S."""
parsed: {"hour": 7, "minute": 37}
